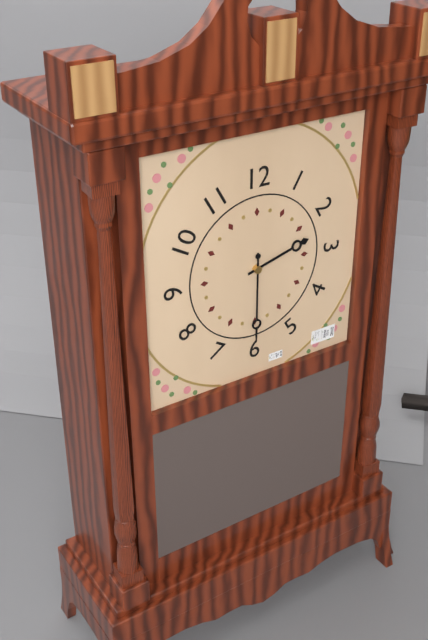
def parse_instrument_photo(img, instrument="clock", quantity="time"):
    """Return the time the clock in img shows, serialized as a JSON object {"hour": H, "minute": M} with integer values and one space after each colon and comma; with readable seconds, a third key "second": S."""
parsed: {"hour": 2, "minute": 30}
